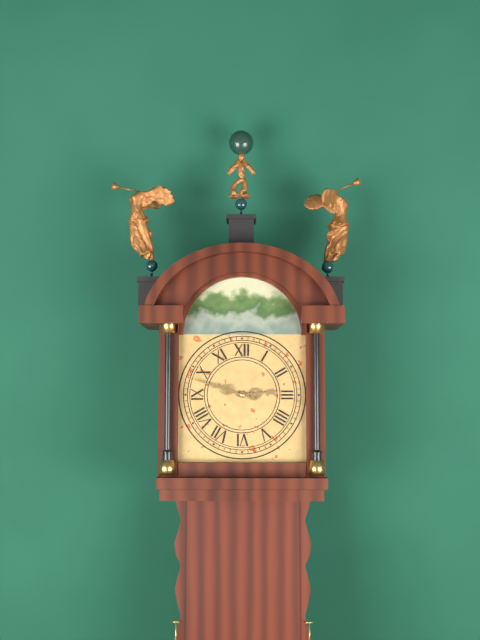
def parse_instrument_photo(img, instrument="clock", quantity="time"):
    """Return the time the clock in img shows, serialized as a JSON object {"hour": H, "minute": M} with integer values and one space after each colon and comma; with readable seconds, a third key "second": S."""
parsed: {"hour": 2, "minute": 48}
